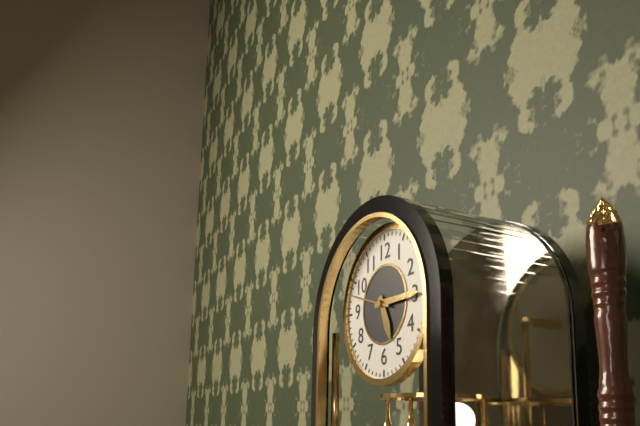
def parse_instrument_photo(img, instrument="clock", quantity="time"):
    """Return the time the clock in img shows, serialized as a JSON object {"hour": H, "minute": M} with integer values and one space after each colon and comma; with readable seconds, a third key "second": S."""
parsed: {"hour": 5, "minute": 15}
